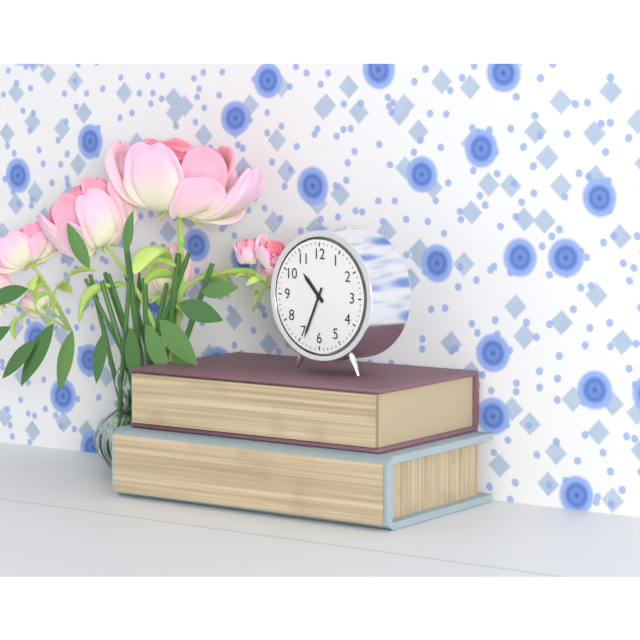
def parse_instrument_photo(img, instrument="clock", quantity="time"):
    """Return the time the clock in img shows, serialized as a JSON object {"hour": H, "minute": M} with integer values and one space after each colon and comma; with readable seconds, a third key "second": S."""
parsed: {"hour": 10, "minute": 34}
